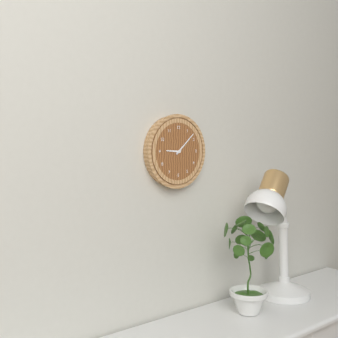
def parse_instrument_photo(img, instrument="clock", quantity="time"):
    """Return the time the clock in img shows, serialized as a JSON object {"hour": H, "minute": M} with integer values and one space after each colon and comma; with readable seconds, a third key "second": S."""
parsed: {"hour": 9, "minute": 8}
